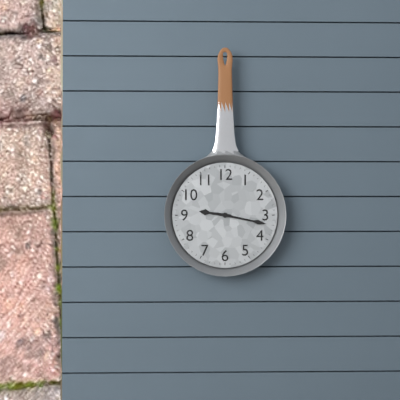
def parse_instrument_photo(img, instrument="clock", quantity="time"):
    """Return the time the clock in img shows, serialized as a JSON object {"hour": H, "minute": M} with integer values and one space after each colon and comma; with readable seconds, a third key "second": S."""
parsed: {"hour": 9, "minute": 17}
